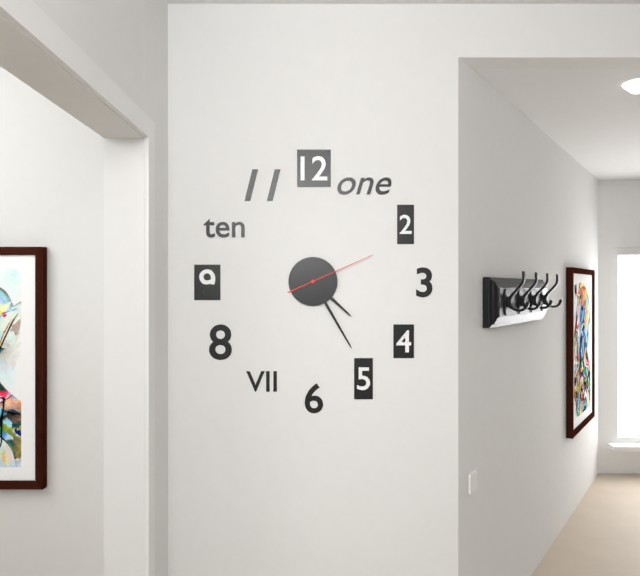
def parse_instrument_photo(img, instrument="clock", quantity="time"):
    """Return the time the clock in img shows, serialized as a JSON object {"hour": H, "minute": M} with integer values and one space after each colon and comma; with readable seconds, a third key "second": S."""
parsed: {"hour": 4, "minute": 25, "second": 11}
